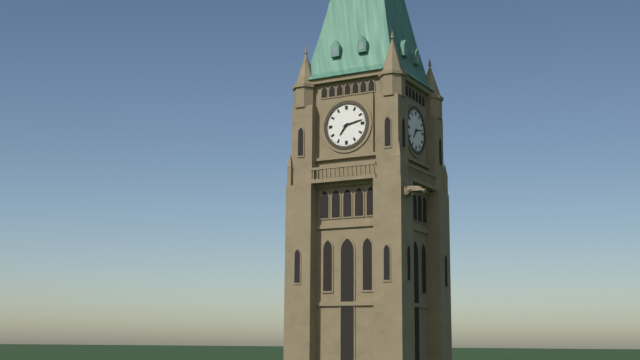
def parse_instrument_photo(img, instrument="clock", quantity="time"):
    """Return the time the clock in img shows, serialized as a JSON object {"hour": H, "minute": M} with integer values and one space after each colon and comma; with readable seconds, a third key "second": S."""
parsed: {"hour": 7, "minute": 13}
